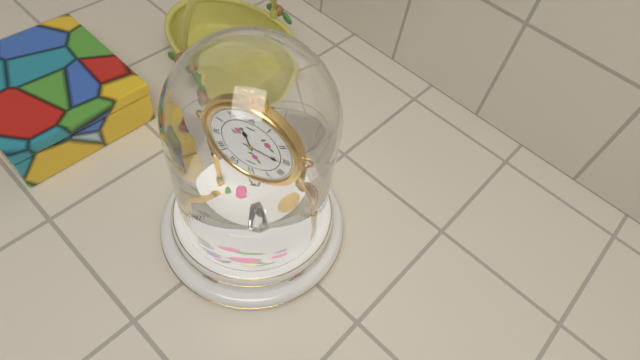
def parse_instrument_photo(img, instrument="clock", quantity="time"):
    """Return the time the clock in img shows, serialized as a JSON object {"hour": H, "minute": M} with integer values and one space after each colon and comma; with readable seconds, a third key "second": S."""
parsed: {"hour": 11, "minute": 16}
